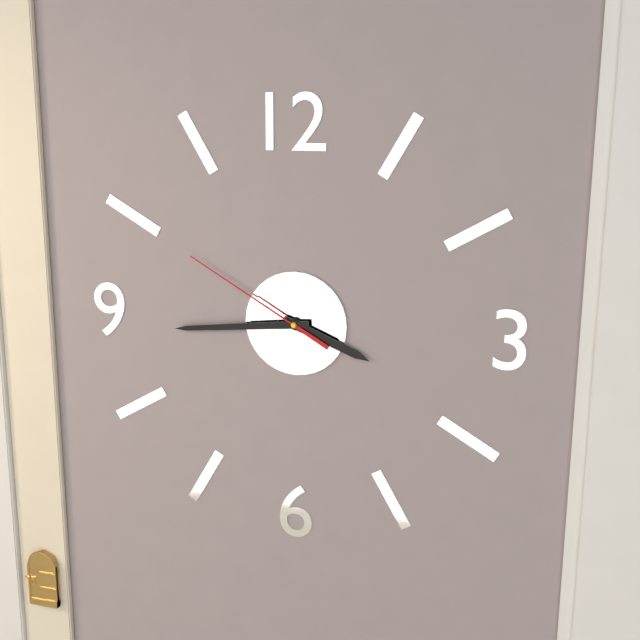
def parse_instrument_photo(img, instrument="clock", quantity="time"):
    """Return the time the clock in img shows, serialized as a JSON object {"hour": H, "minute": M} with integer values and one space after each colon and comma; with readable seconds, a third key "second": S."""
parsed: {"hour": 3, "minute": 44, "second": 50}
